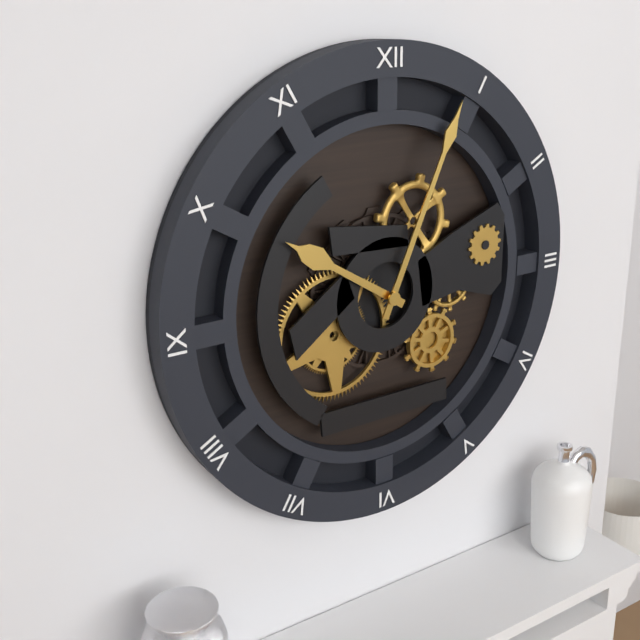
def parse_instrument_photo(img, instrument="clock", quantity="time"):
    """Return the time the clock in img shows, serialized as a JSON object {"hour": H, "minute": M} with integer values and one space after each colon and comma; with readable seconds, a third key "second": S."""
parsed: {"hour": 10, "minute": 4}
